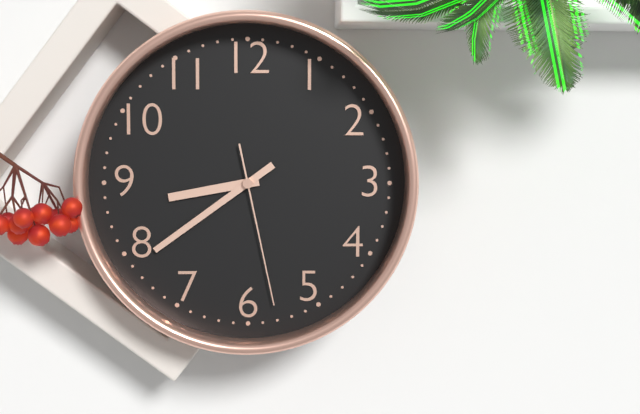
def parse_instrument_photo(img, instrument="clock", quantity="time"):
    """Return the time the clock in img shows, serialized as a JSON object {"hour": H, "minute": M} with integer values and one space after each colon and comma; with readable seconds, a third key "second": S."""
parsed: {"hour": 8, "minute": 39, "second": 28}
